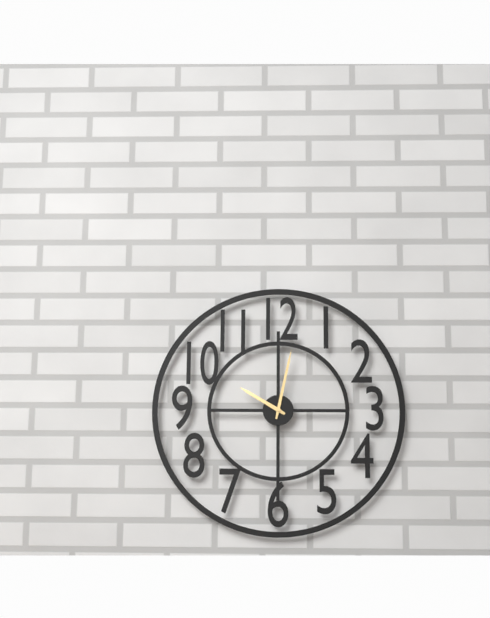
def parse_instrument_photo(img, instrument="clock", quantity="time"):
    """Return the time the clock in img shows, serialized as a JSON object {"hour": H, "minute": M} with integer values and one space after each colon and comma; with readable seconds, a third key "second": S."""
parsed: {"hour": 10, "minute": 2}
